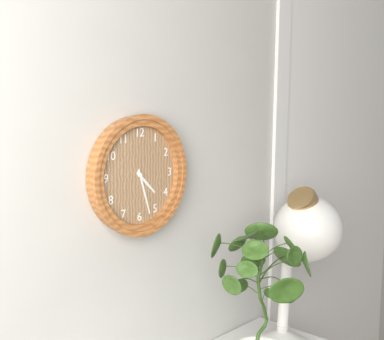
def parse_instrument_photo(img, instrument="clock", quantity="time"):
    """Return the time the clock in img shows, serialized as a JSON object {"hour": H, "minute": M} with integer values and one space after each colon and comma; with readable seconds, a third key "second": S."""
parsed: {"hour": 4, "minute": 27}
